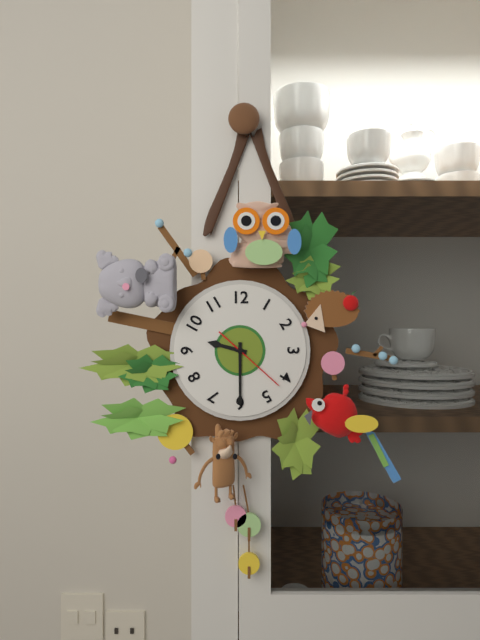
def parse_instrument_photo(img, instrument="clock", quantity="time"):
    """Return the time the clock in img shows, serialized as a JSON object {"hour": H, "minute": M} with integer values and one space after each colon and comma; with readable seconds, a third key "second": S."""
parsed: {"hour": 9, "minute": 30, "second": 22}
